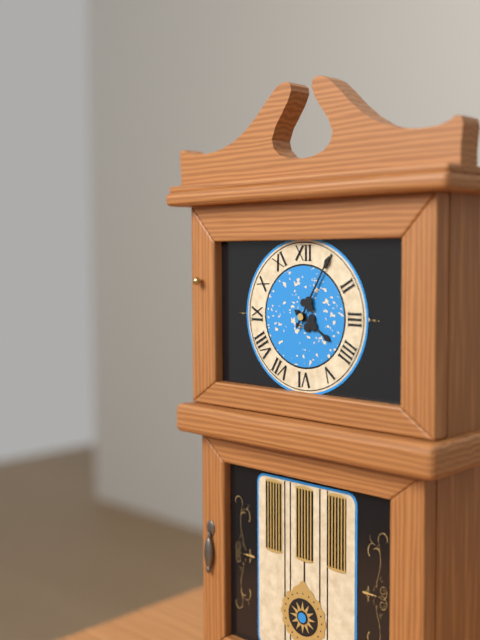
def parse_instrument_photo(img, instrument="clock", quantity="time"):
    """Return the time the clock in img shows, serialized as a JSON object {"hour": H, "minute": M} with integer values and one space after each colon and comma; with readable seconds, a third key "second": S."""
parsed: {"hour": 4, "minute": 5}
